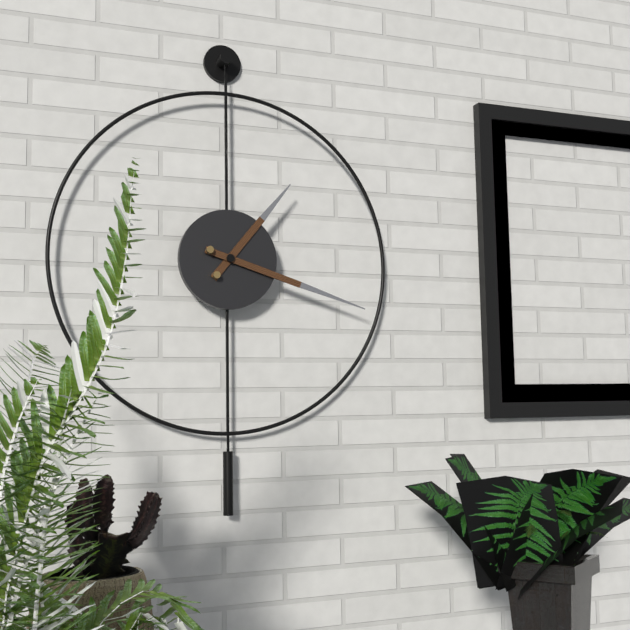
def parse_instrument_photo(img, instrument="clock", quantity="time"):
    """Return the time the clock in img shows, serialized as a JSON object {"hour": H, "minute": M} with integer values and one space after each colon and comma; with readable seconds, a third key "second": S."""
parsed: {"hour": 1, "minute": 18}
